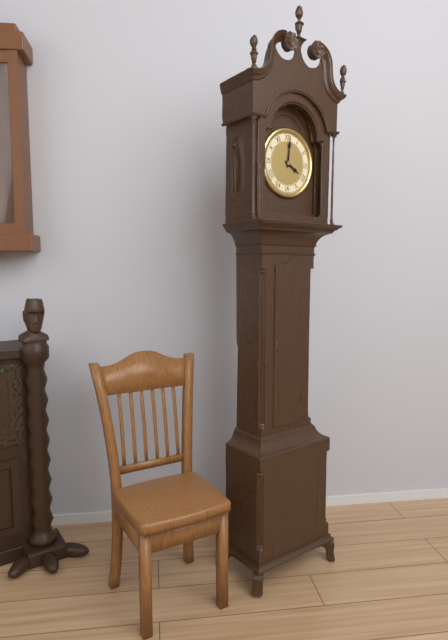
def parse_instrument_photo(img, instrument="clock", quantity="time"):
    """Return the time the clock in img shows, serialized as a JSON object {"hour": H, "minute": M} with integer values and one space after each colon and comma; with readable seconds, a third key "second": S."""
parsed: {"hour": 4, "minute": 1}
